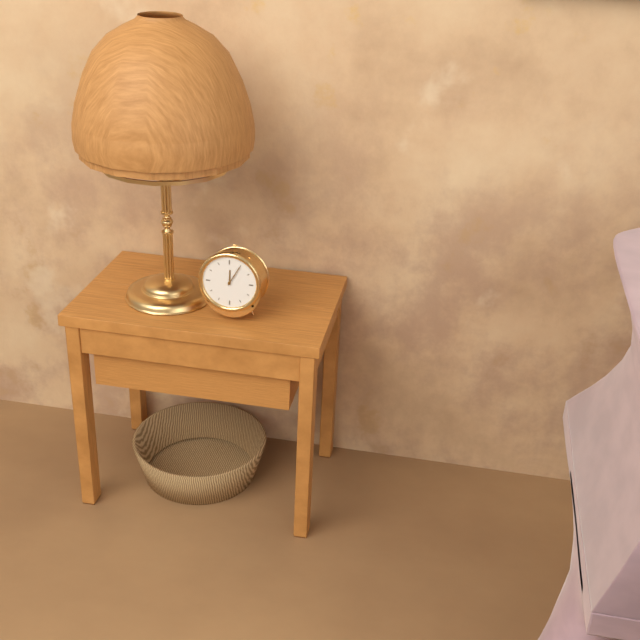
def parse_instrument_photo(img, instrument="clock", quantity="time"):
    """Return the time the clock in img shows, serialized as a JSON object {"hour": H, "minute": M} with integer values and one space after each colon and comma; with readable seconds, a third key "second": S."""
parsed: {"hour": 12, "minute": 5}
